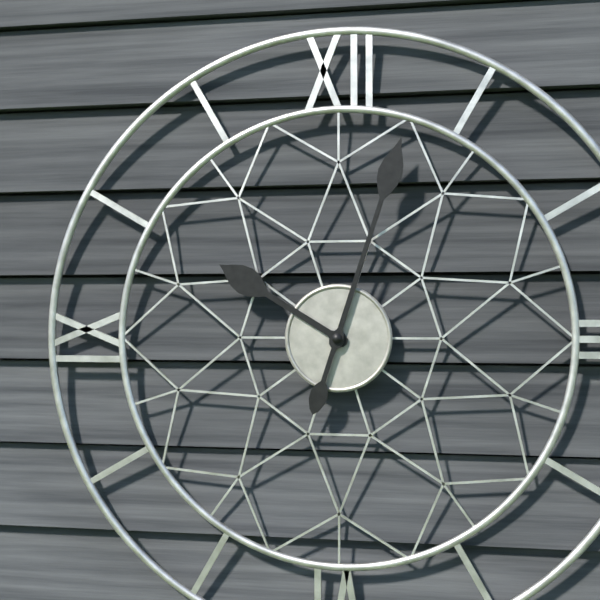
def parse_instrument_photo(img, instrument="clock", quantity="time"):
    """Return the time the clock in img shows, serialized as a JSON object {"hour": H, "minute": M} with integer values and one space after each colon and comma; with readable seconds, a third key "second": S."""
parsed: {"hour": 10, "minute": 3}
